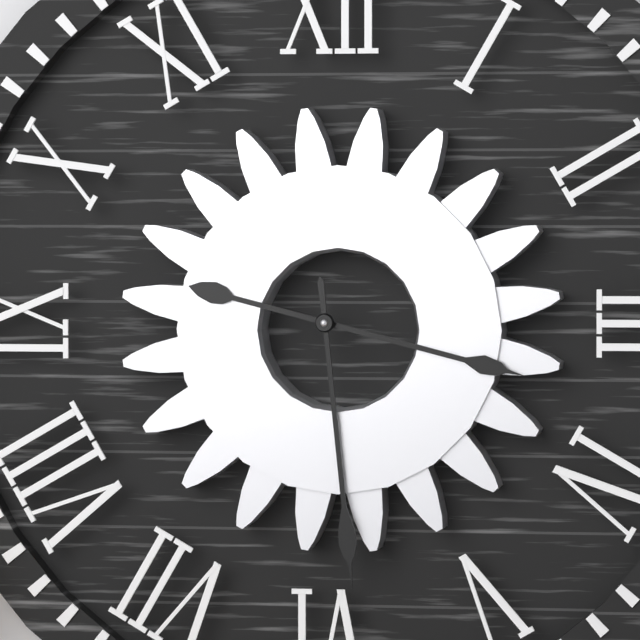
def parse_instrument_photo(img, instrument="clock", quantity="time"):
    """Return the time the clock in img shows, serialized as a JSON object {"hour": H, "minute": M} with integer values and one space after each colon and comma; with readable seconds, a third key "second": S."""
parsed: {"hour": 3, "minute": 29}
